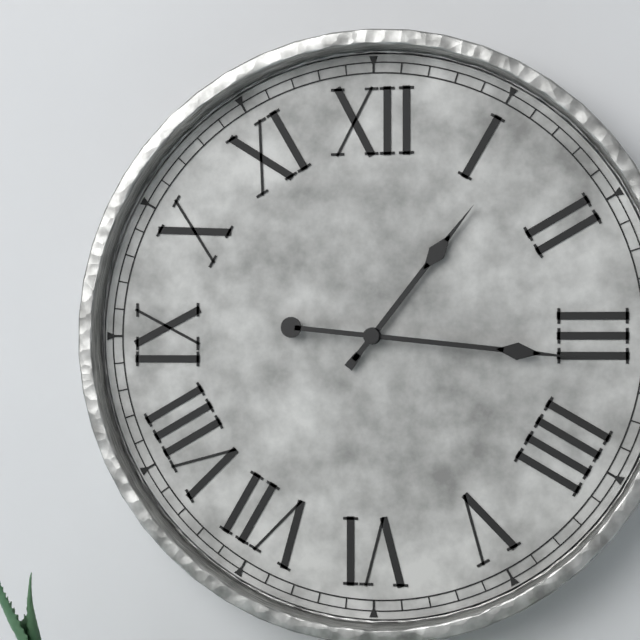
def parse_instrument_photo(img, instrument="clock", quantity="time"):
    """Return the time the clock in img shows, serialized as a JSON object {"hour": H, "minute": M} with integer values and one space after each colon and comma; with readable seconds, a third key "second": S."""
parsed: {"hour": 1, "minute": 16}
